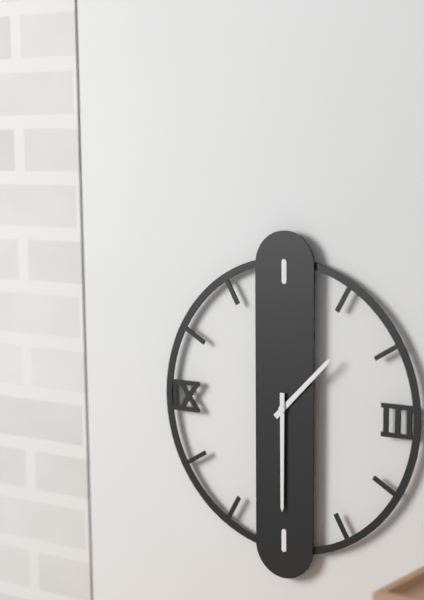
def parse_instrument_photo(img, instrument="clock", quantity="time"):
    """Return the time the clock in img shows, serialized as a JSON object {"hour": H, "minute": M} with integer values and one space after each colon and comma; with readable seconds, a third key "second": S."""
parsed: {"hour": 1, "minute": 30}
